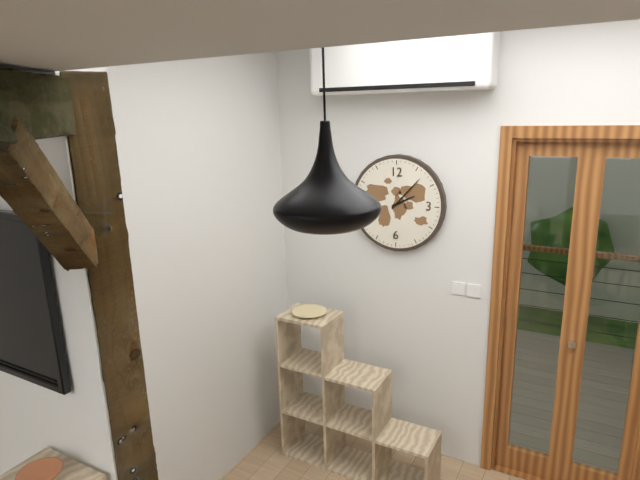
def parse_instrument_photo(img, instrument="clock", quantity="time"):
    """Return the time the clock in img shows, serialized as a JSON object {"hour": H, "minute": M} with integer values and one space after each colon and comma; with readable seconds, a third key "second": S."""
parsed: {"hour": 2, "minute": 7}
